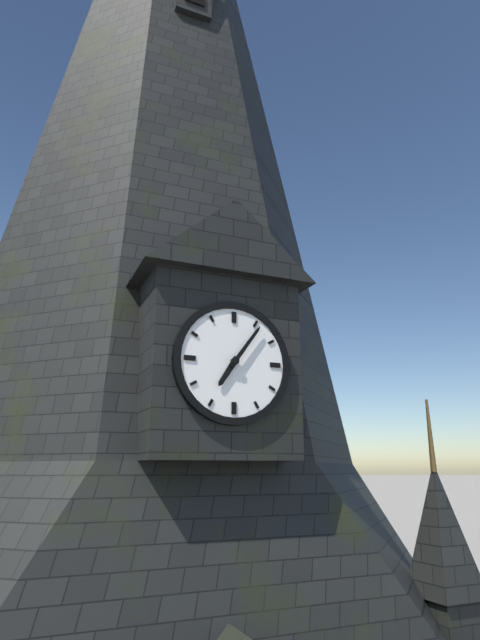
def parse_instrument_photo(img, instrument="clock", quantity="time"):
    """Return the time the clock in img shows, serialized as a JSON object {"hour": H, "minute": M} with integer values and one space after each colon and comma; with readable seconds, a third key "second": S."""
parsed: {"hour": 7, "minute": 6}
